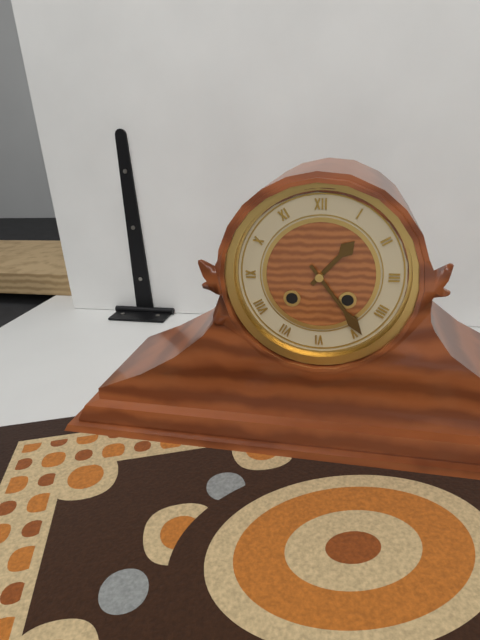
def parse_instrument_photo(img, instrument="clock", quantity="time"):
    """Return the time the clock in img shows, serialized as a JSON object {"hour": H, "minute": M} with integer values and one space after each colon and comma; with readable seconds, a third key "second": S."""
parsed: {"hour": 1, "minute": 24}
